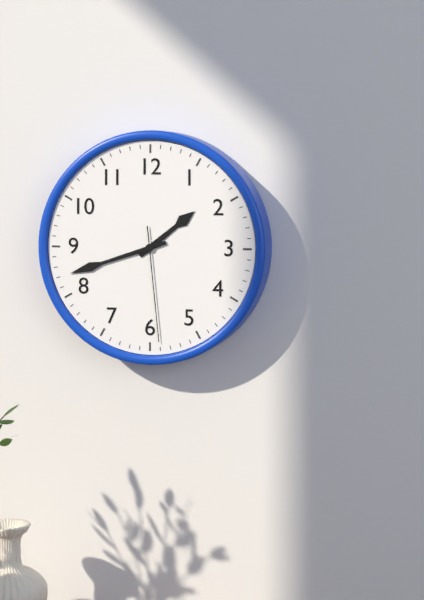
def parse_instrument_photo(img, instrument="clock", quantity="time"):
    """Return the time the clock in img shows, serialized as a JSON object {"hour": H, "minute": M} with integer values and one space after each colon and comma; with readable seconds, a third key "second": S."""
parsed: {"hour": 1, "minute": 42, "second": 29}
